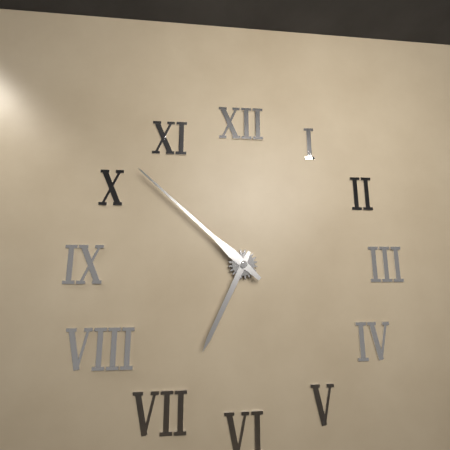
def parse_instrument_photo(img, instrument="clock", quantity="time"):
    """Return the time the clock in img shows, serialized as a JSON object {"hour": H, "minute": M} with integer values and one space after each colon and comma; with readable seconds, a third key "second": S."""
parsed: {"hour": 6, "minute": 52}
